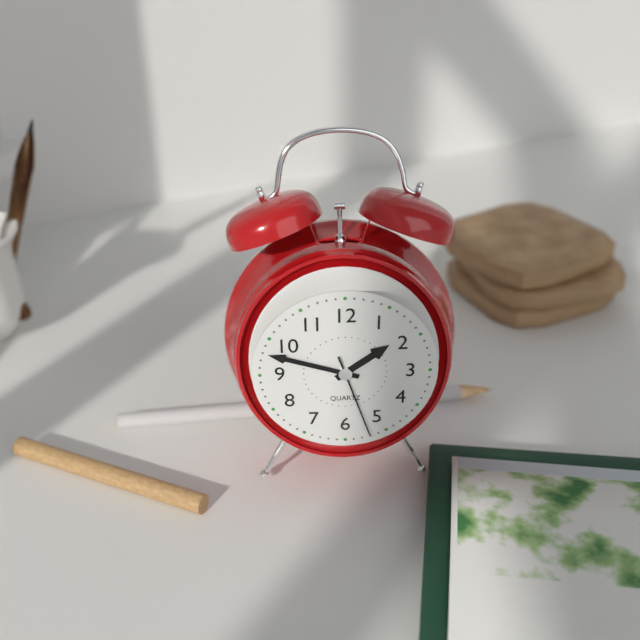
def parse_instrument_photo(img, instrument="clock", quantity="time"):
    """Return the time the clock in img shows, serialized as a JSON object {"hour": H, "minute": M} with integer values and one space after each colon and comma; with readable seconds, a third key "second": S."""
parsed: {"hour": 1, "minute": 48, "second": 27}
